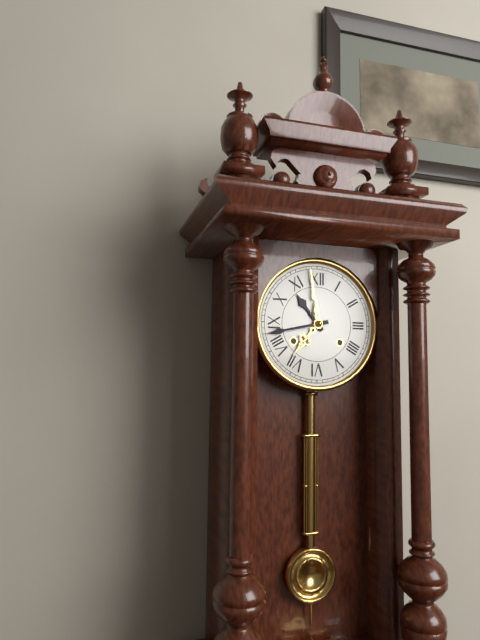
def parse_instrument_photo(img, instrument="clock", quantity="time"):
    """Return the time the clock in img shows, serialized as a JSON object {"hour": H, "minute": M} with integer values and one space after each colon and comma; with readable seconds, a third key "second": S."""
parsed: {"hour": 10, "minute": 43}
